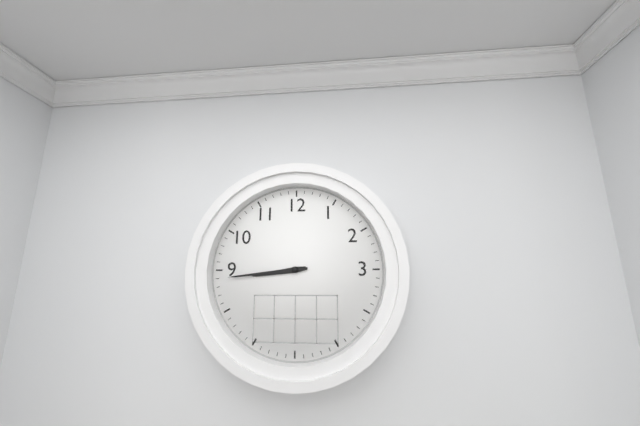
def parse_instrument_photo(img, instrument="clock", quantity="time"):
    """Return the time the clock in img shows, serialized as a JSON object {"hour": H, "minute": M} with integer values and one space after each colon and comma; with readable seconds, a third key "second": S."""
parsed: {"hour": 8, "minute": 44}
